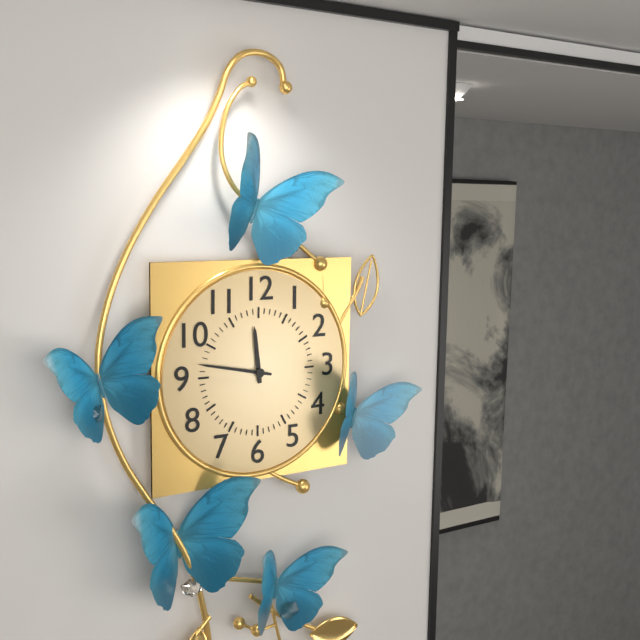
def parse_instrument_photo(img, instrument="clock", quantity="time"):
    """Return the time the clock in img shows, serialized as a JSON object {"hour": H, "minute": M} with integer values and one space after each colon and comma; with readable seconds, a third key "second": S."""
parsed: {"hour": 11, "minute": 47}
